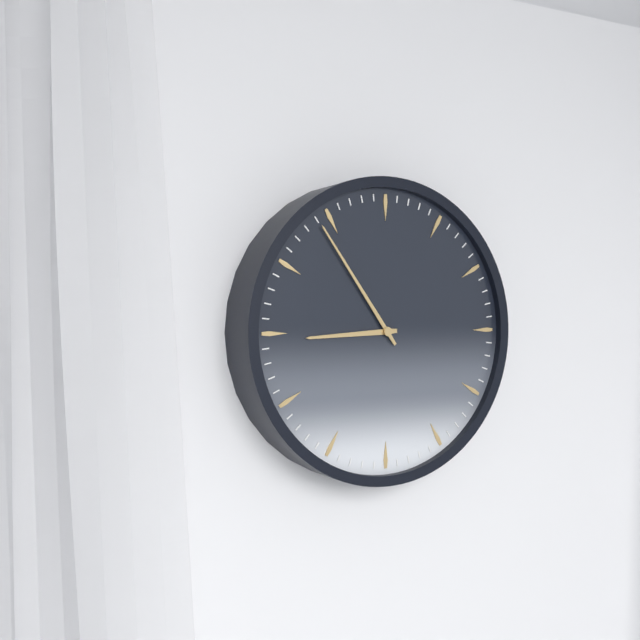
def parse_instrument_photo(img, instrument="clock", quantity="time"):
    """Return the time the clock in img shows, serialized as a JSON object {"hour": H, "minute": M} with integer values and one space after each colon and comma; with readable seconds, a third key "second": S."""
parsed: {"hour": 8, "minute": 54}
